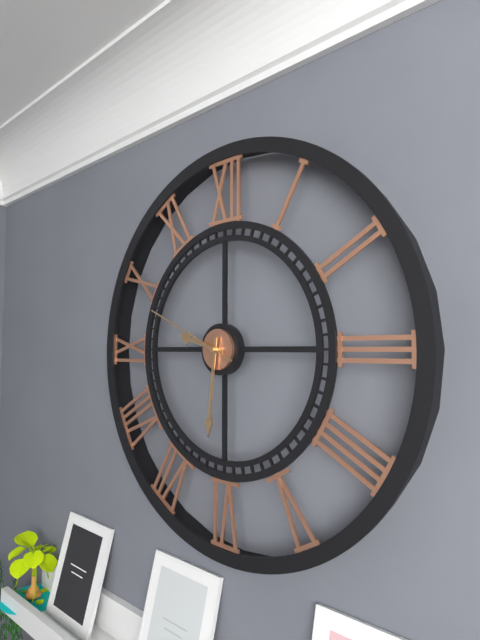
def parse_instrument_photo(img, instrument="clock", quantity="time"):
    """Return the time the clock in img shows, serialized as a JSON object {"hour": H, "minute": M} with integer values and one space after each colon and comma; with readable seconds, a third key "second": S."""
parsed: {"hour": 9, "minute": 31, "second": 49}
